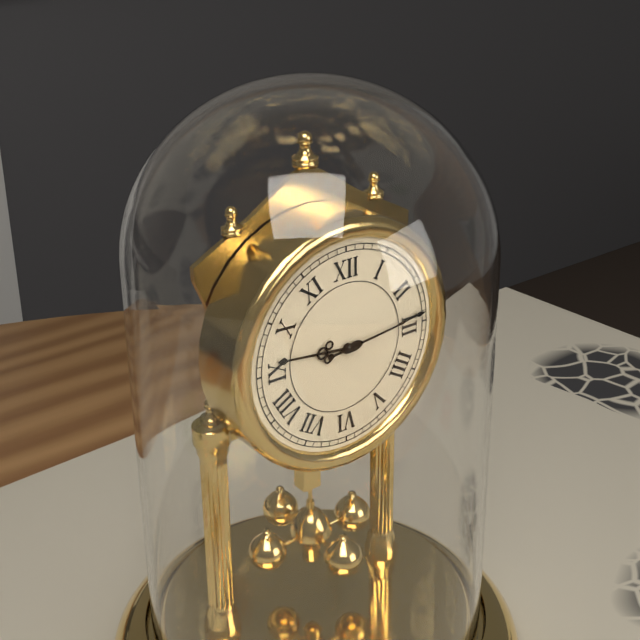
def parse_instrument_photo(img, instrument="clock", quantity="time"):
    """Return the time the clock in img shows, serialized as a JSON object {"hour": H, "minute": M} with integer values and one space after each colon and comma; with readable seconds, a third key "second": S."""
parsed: {"hour": 9, "minute": 14}
